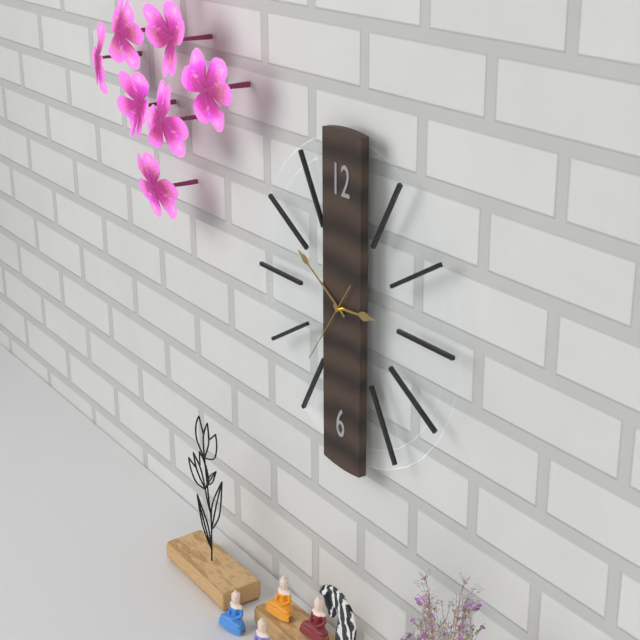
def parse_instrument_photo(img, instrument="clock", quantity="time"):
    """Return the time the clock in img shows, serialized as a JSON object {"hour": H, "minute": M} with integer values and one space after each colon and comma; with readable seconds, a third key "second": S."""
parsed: {"hour": 2, "minute": 50, "second": 36}
